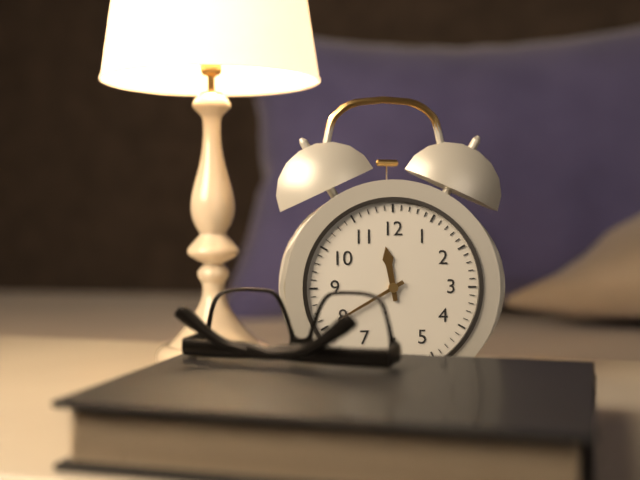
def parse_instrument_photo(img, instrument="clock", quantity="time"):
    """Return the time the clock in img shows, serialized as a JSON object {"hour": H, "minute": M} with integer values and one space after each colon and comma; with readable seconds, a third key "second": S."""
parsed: {"hour": 11, "minute": 40}
